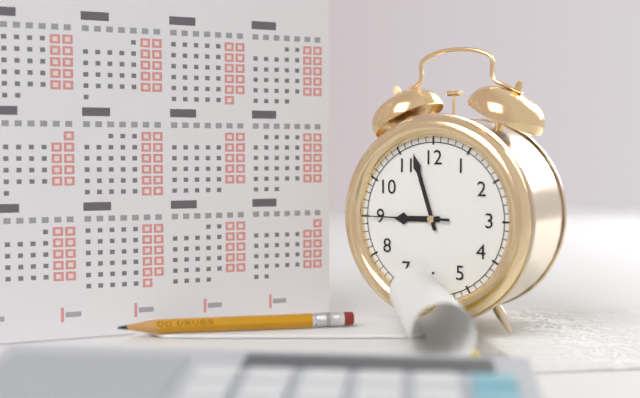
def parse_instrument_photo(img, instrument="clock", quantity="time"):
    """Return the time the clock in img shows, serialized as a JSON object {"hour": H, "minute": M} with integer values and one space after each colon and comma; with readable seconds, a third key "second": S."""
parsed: {"hour": 8, "minute": 57, "second": 45}
